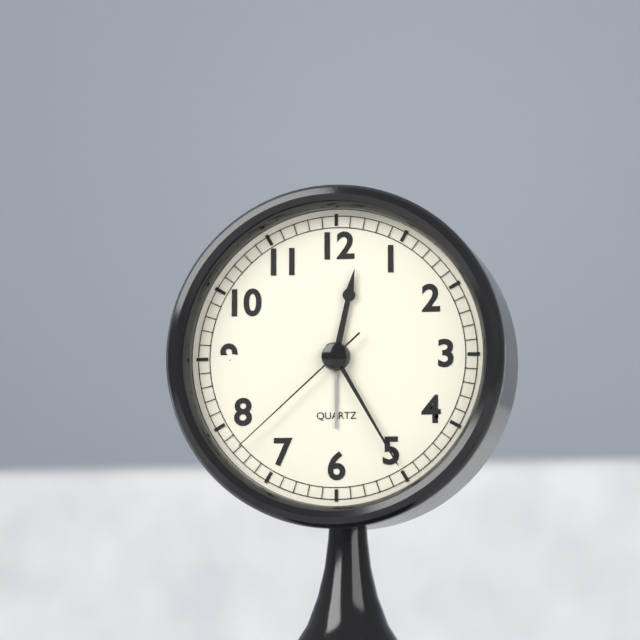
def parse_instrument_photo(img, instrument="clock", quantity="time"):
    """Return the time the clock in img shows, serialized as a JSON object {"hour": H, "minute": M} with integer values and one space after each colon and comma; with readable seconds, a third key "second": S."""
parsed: {"hour": 12, "minute": 25, "second": 38}
